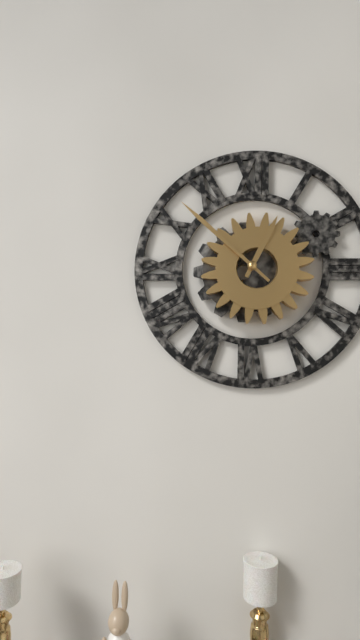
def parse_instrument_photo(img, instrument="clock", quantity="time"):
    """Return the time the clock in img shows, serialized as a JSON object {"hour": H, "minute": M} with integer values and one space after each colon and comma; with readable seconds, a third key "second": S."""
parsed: {"hour": 12, "minute": 52}
